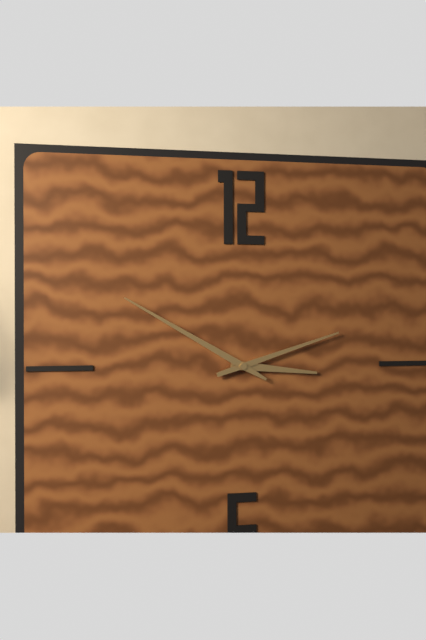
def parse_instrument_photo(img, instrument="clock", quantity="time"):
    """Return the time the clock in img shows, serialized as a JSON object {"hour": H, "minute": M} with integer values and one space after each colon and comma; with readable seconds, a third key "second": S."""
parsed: {"hour": 3, "minute": 12, "second": 50}
